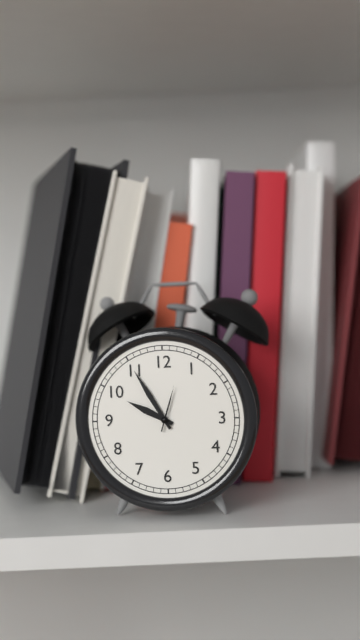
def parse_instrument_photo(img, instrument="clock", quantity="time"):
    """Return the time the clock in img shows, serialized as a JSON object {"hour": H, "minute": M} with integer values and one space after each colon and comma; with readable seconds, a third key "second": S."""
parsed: {"hour": 9, "minute": 55}
